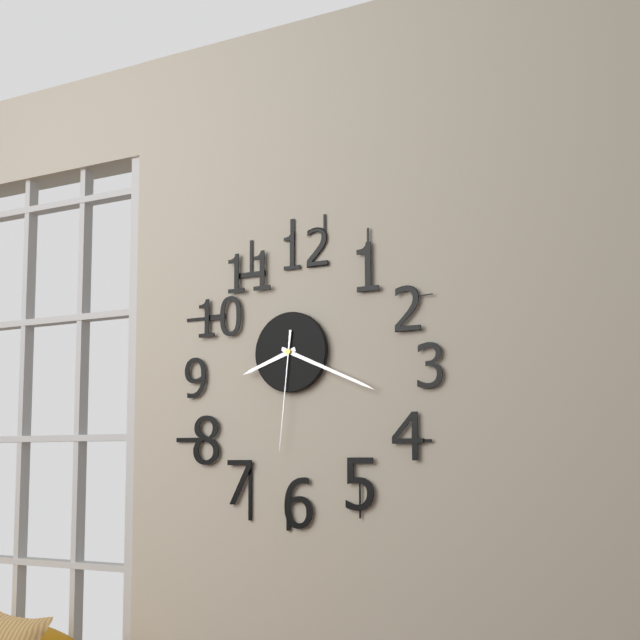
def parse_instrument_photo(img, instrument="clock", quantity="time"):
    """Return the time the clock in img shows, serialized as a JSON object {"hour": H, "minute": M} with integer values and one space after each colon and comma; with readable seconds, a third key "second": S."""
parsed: {"hour": 8, "minute": 19, "second": 31}
